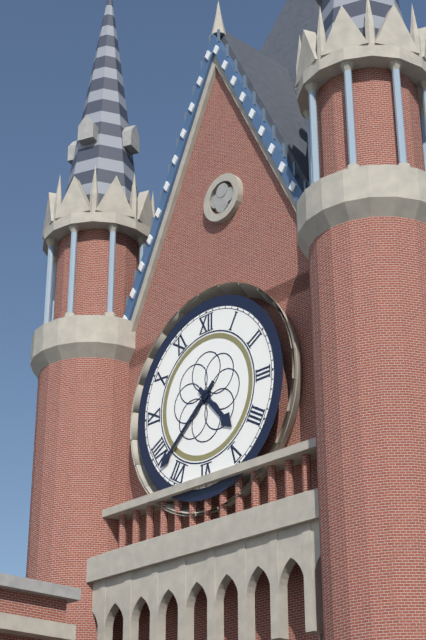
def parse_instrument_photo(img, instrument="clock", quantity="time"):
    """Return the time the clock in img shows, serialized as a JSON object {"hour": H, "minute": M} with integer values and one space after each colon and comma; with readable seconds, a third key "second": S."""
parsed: {"hour": 4, "minute": 38}
